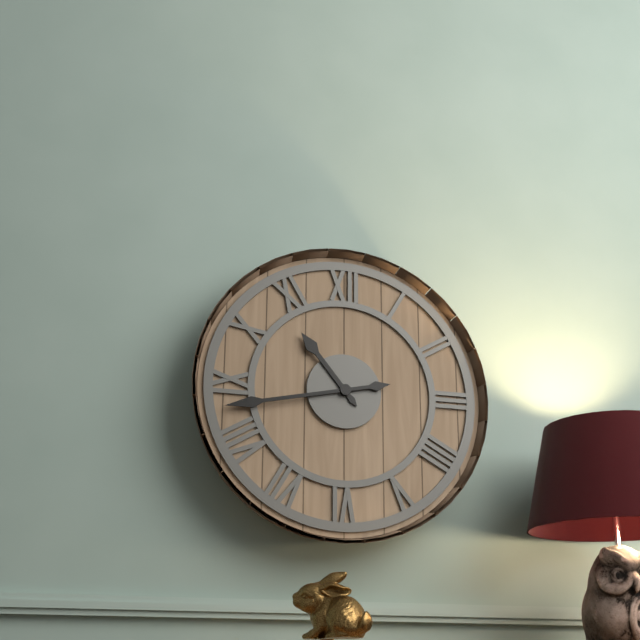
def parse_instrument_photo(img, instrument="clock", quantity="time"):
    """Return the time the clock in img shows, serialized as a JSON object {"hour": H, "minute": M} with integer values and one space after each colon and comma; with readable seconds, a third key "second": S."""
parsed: {"hour": 10, "minute": 43}
